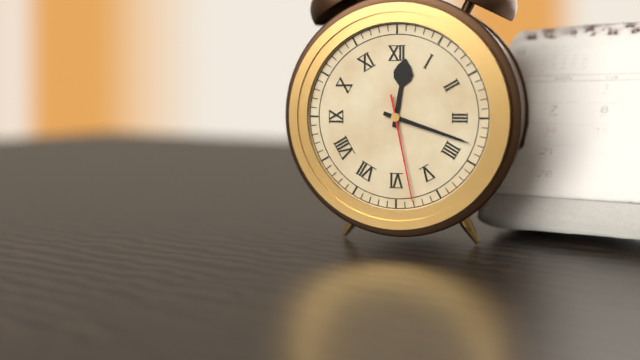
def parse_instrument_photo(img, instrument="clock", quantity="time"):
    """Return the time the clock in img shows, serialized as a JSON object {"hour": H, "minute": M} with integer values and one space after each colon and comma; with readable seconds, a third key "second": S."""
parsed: {"hour": 12, "minute": 18, "second": 28}
